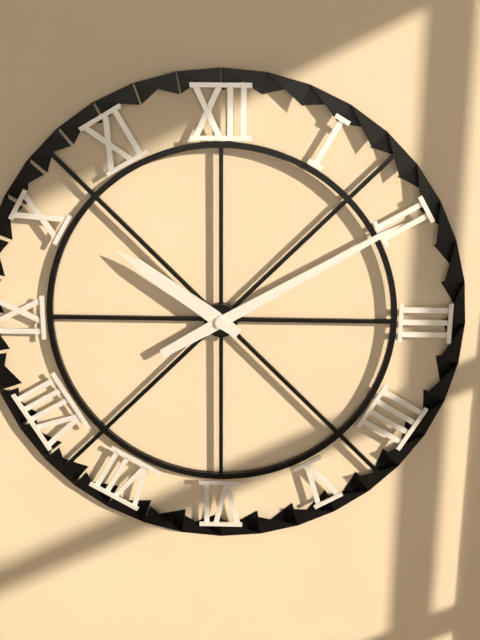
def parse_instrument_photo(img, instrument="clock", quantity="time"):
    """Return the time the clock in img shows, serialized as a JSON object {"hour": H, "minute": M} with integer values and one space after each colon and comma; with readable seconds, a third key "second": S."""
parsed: {"hour": 10, "minute": 10}
